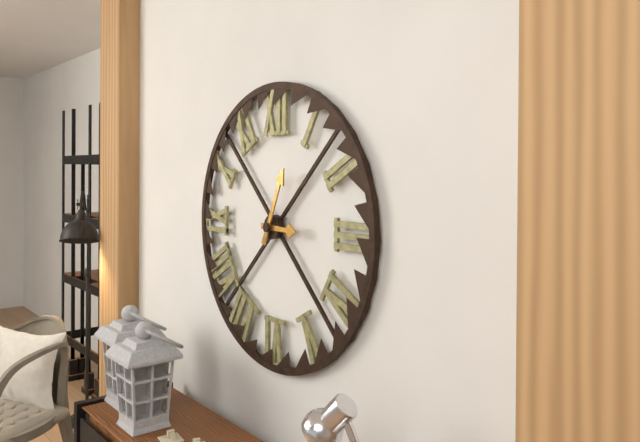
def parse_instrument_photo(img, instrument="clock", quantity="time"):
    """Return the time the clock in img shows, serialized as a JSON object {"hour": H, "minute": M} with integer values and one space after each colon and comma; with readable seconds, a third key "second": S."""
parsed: {"hour": 3, "minute": 4}
